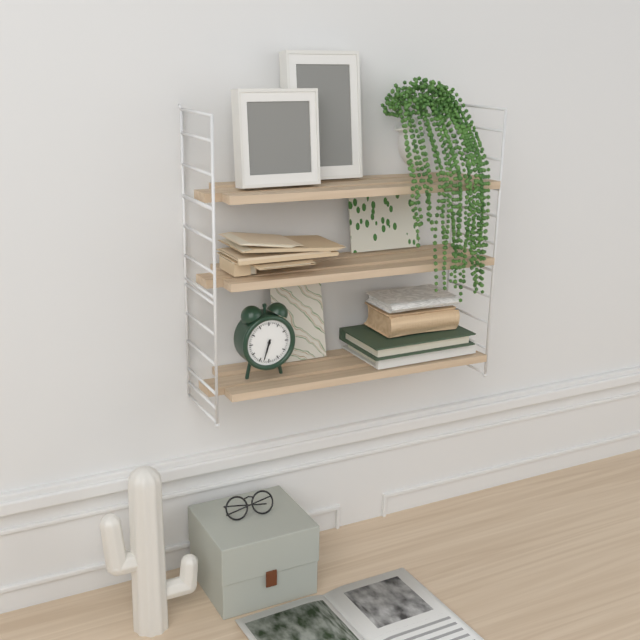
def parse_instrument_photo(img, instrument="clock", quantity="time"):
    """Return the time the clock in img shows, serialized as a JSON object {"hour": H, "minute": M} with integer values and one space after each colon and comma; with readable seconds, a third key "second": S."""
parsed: {"hour": 6, "minute": 33}
